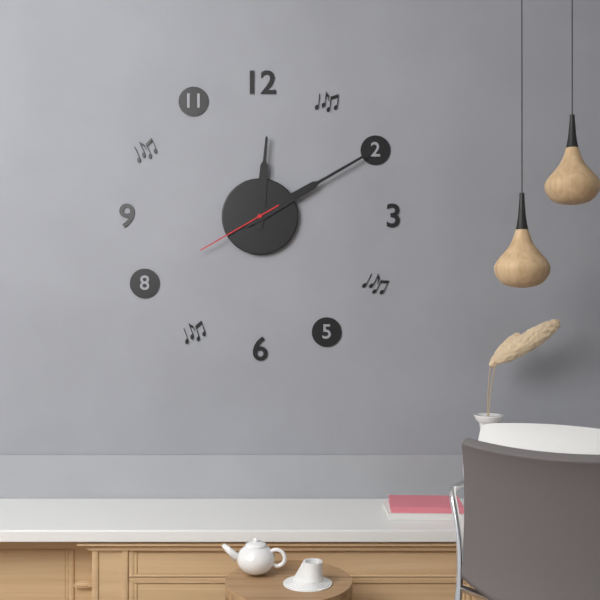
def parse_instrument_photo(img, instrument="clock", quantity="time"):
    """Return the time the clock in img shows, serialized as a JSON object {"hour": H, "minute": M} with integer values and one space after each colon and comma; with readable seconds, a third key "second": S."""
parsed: {"hour": 12, "minute": 10, "second": 40}
